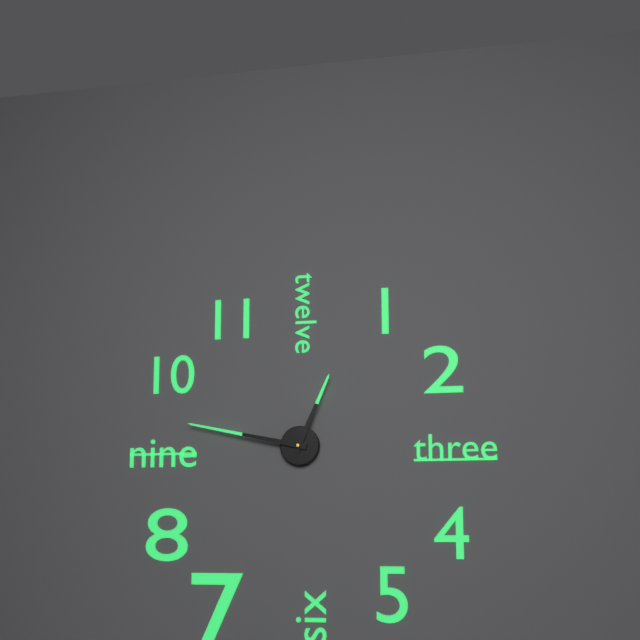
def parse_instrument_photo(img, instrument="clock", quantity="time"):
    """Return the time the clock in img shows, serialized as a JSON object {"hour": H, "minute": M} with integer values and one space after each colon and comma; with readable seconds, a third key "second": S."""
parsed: {"hour": 12, "minute": 47}
